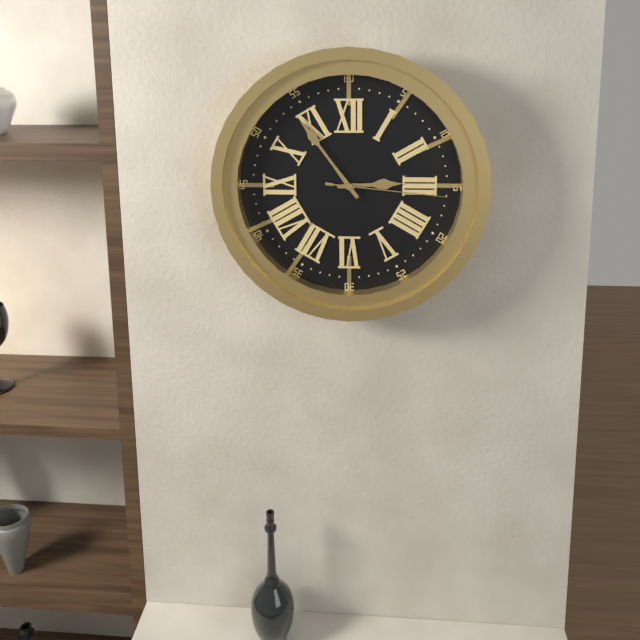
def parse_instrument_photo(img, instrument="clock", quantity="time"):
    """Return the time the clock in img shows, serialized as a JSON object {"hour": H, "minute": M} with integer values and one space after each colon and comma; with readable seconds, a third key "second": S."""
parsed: {"hour": 2, "minute": 54, "second": 16}
